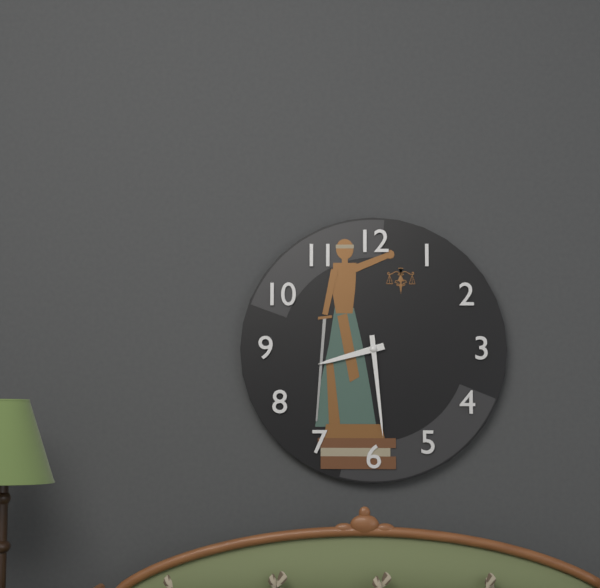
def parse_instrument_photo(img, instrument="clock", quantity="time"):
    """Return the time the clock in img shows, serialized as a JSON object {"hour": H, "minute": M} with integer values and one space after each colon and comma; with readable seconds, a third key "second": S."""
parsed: {"hour": 8, "minute": 29}
